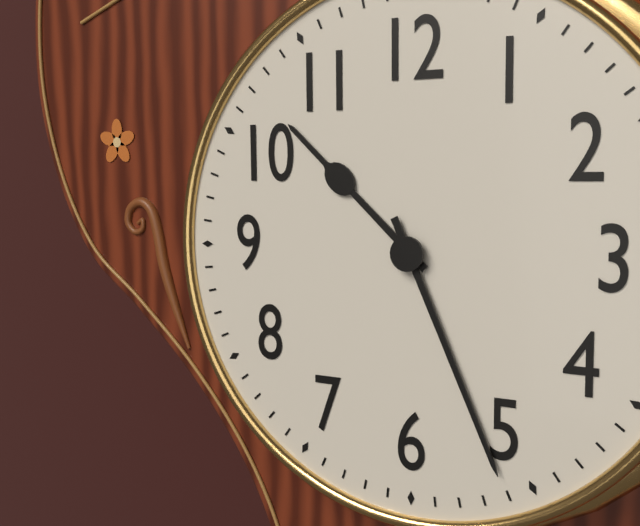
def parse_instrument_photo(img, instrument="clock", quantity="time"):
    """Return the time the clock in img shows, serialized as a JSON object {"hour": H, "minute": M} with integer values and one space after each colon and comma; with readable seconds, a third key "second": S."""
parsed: {"hour": 10, "minute": 26}
